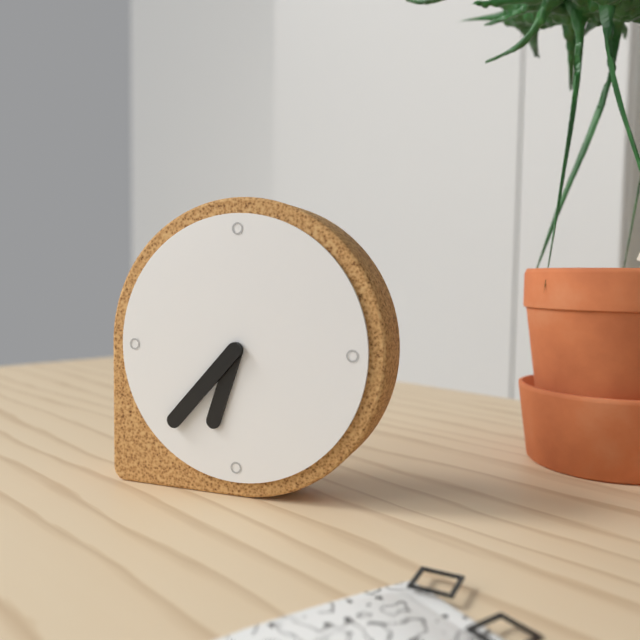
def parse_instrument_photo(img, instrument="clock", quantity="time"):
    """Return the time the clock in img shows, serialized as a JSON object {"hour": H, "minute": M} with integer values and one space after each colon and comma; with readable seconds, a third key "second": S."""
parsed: {"hour": 6, "minute": 37}
